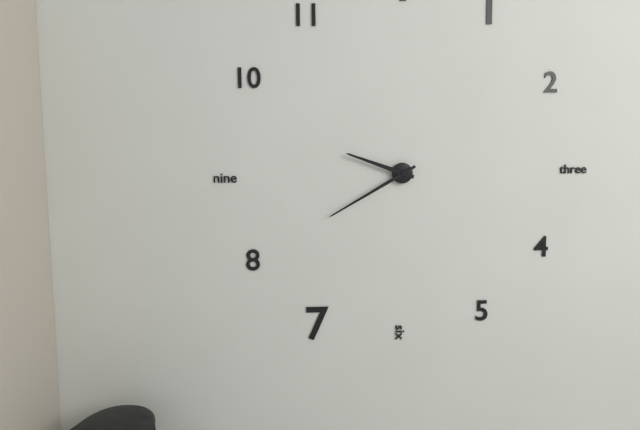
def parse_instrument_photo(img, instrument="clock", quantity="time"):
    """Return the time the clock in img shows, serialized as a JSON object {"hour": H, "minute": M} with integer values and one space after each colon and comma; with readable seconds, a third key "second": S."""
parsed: {"hour": 9, "minute": 40}
